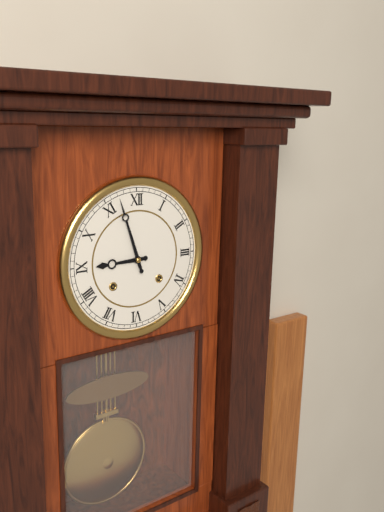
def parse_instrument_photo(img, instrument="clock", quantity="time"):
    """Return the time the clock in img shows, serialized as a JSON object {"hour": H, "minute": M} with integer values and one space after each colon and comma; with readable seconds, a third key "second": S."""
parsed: {"hour": 8, "minute": 57}
